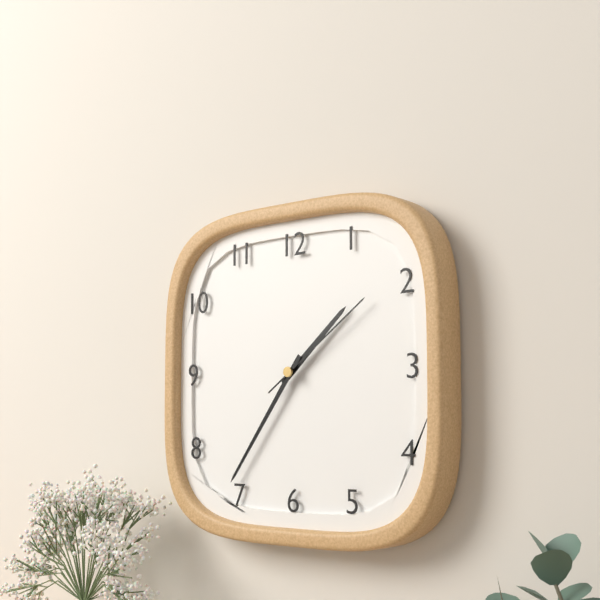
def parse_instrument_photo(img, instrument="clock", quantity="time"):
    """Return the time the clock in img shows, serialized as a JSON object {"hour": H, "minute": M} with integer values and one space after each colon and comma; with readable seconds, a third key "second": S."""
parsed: {"hour": 1, "minute": 36, "second": 9}
